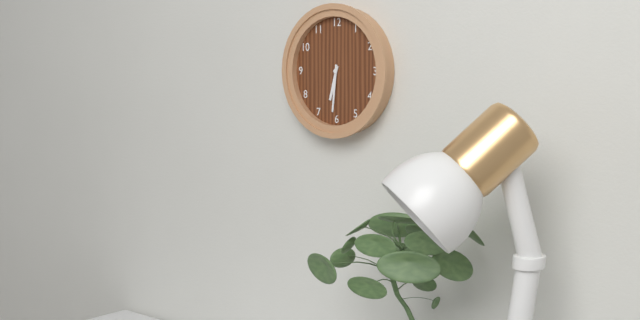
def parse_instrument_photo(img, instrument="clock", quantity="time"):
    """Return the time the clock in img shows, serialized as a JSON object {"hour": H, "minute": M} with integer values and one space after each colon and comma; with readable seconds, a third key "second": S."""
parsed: {"hour": 6, "minute": 31}
